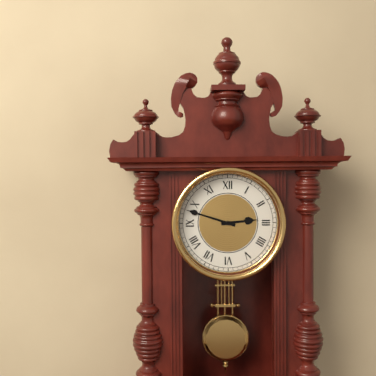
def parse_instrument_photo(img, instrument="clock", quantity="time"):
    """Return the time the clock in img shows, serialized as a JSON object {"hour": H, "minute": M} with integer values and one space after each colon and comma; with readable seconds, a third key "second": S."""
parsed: {"hour": 2, "minute": 48}
